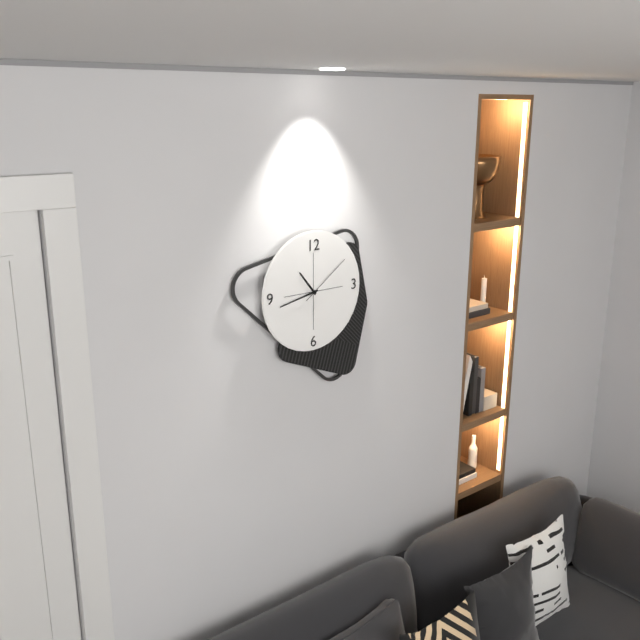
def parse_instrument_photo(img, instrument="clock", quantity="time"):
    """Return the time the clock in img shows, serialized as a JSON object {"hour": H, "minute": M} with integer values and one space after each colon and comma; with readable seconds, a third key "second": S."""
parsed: {"hour": 10, "minute": 43, "second": 9}
